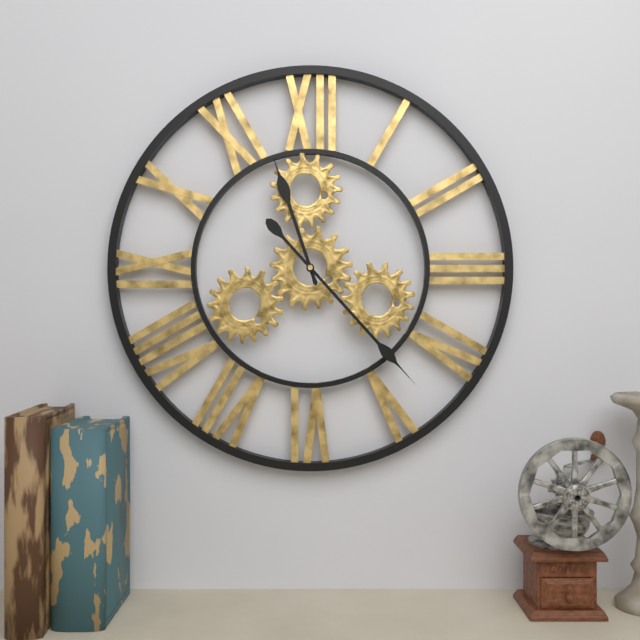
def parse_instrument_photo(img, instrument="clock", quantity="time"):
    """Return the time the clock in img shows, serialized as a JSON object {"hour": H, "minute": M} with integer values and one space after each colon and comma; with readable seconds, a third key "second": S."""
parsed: {"hour": 11, "minute": 23}
